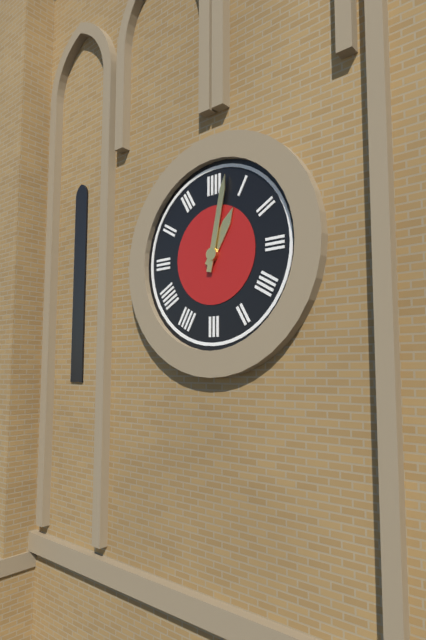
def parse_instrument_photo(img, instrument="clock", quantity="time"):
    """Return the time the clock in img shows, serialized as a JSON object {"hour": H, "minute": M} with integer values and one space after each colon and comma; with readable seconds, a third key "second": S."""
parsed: {"hour": 1, "minute": 2}
